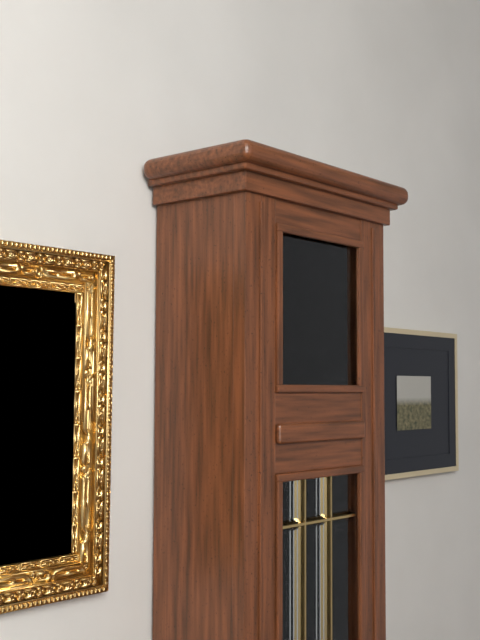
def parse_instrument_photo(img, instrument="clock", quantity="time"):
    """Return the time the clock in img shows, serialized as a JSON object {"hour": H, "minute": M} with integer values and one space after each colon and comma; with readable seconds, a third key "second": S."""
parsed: {"hour": 4, "minute": 43}
